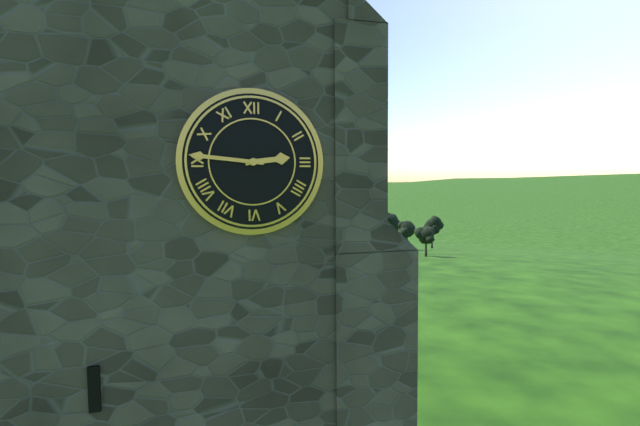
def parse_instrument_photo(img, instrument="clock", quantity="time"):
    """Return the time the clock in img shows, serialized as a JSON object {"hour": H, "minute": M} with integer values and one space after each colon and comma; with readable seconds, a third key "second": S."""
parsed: {"hour": 2, "minute": 46}
